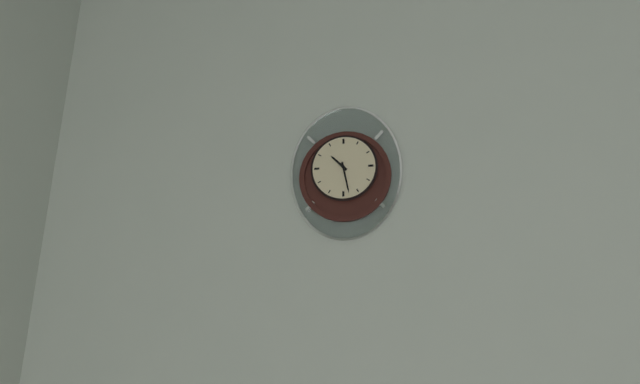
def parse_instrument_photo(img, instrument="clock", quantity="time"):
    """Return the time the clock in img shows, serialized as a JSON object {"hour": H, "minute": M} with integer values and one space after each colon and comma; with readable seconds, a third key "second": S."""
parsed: {"hour": 10, "minute": 28}
